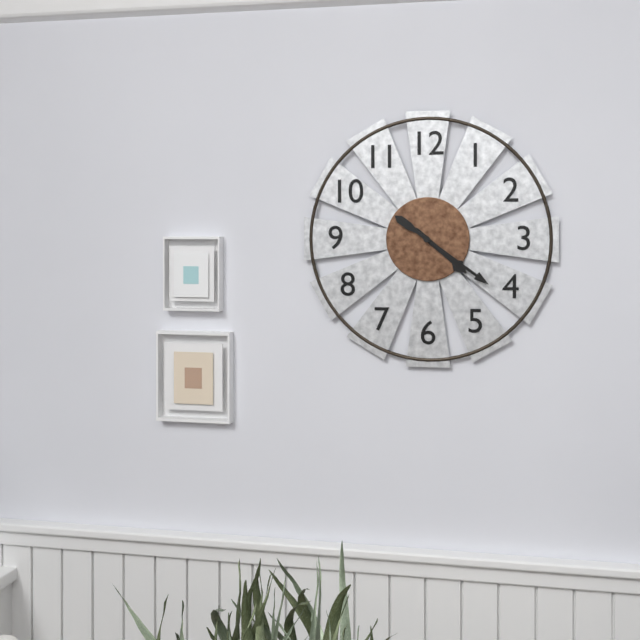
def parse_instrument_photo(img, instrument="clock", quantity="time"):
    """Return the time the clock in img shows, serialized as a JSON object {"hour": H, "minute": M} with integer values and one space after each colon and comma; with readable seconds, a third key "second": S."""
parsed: {"hour": 4, "minute": 21}
